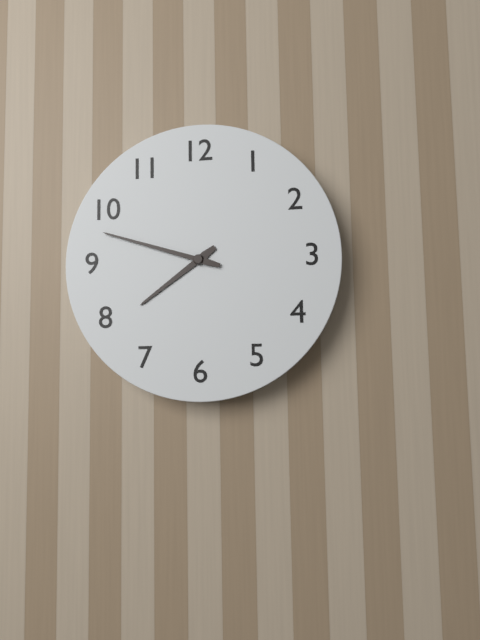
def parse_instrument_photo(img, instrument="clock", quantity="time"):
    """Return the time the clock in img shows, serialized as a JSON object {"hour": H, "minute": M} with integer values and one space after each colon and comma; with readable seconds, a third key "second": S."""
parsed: {"hour": 7, "minute": 48}
